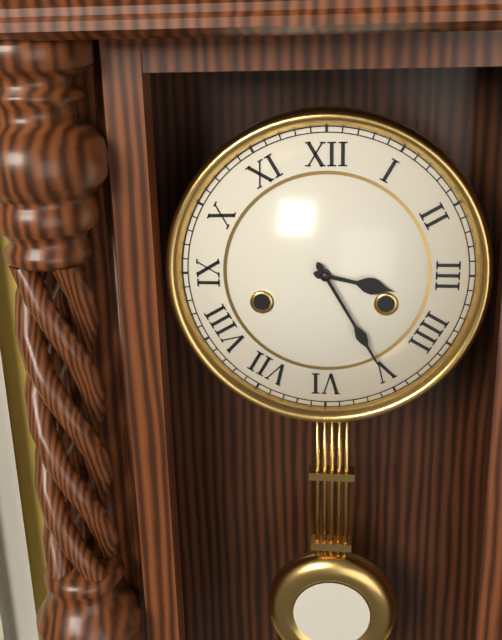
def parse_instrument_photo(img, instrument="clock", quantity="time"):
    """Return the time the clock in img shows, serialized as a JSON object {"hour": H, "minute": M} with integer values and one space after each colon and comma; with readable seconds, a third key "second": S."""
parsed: {"hour": 3, "minute": 25}
